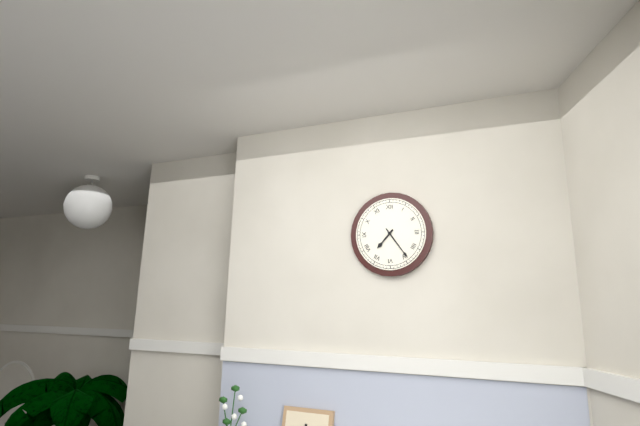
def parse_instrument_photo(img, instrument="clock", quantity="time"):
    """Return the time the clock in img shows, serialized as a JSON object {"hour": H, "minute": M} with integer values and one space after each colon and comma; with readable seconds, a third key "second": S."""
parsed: {"hour": 7, "minute": 24}
